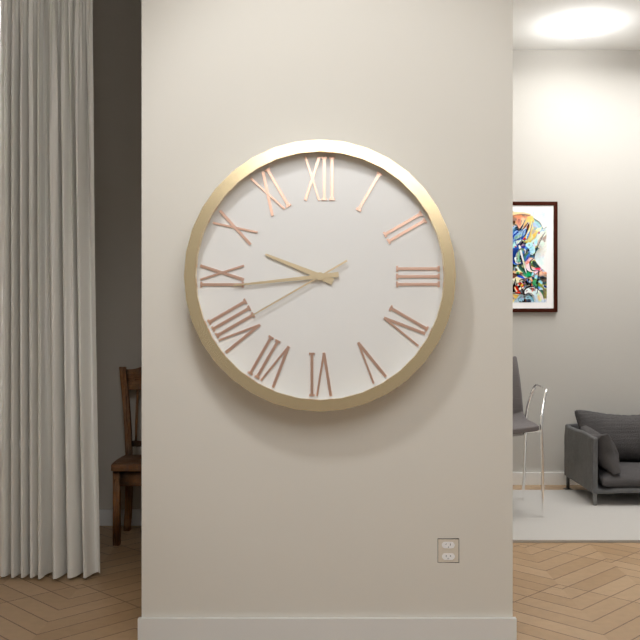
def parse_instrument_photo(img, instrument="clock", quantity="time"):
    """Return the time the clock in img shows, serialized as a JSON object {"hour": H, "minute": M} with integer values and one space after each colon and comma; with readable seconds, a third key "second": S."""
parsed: {"hour": 9, "minute": 44, "second": 40}
